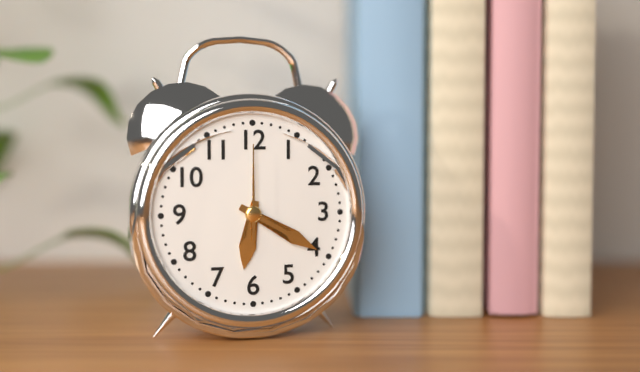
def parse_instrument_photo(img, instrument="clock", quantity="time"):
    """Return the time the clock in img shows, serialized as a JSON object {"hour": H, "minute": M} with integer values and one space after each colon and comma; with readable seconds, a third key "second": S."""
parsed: {"hour": 6, "minute": 20, "second": 0}
